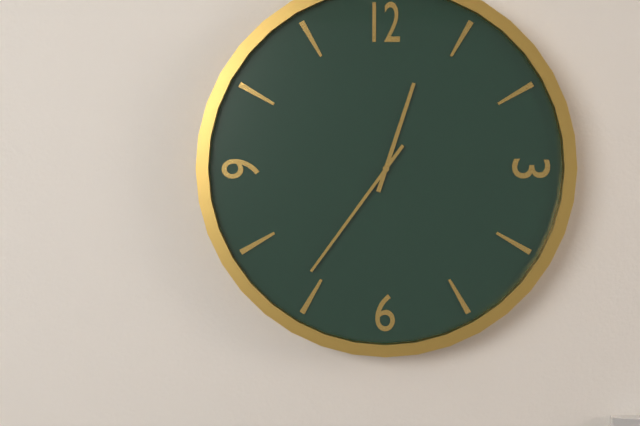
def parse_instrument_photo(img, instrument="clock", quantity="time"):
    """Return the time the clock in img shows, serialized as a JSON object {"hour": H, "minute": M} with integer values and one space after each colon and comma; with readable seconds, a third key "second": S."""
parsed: {"hour": 12, "minute": 36}
